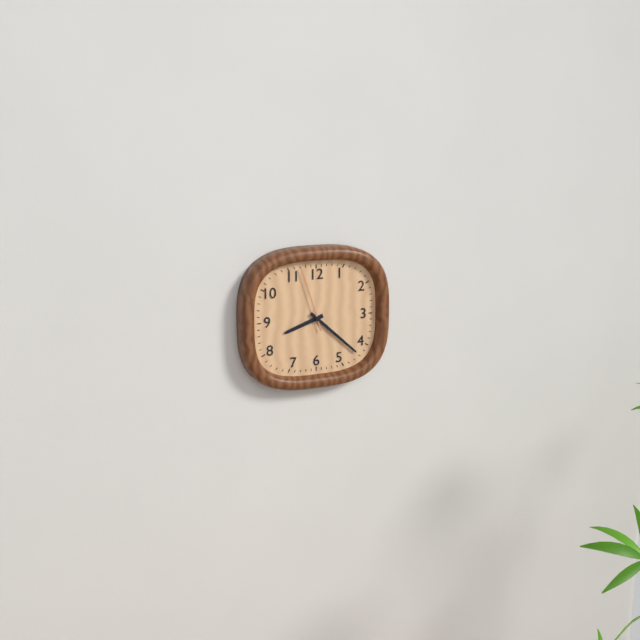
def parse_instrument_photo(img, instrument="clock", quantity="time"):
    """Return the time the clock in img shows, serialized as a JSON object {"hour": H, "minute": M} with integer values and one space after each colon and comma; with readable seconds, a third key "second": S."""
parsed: {"hour": 8, "minute": 22, "second": 57}
